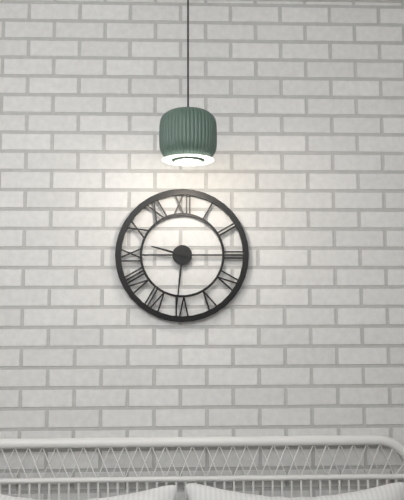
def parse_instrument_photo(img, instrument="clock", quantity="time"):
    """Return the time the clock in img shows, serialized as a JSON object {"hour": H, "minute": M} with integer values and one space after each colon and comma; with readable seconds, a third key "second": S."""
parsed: {"hour": 9, "minute": 31}
